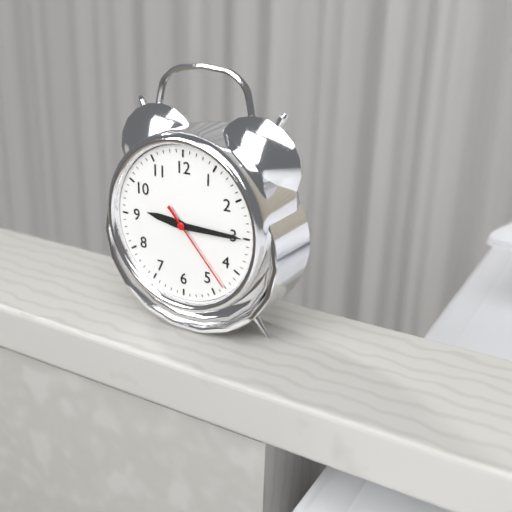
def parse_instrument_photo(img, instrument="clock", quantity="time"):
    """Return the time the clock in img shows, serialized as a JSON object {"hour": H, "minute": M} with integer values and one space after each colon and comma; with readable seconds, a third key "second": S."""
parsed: {"hour": 9, "minute": 15, "second": 23}
